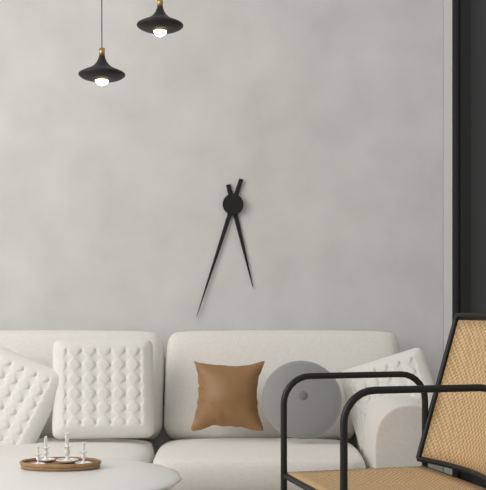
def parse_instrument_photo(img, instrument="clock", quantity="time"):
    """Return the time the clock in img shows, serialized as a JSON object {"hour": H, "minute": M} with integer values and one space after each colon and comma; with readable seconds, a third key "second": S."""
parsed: {"hour": 5, "minute": 33}
